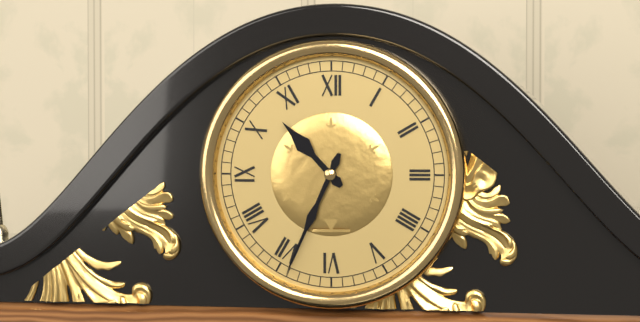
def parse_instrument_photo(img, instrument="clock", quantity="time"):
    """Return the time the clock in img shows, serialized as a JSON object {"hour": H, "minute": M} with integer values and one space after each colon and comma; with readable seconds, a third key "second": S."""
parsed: {"hour": 10, "minute": 34}
